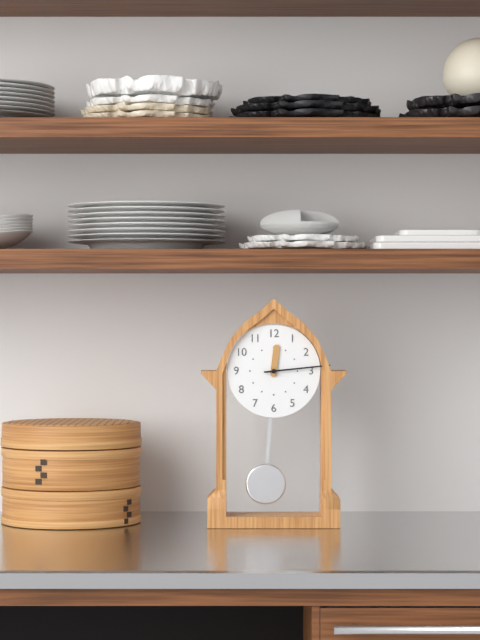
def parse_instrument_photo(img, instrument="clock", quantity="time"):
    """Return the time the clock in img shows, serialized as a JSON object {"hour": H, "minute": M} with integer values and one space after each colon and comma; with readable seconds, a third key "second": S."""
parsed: {"hour": 12, "minute": 14}
